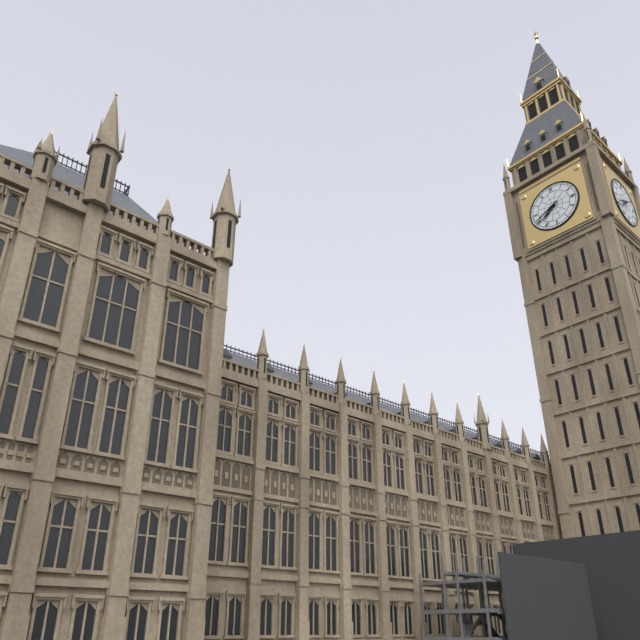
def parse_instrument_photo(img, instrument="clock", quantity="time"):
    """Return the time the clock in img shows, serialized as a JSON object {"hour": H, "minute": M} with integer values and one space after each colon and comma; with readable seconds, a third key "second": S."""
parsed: {"hour": 7, "minute": 41}
